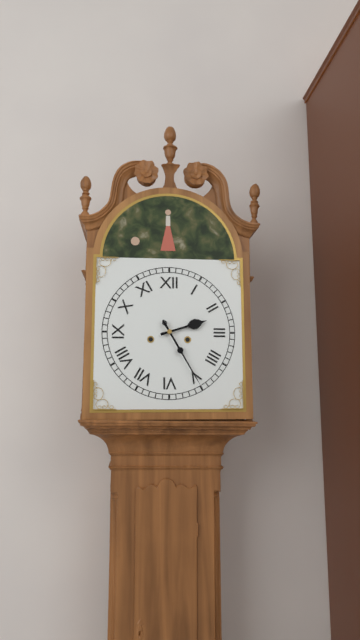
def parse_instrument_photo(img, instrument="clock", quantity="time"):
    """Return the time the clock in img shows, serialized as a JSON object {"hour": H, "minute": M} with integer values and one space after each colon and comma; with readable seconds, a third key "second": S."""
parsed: {"hour": 2, "minute": 25}
